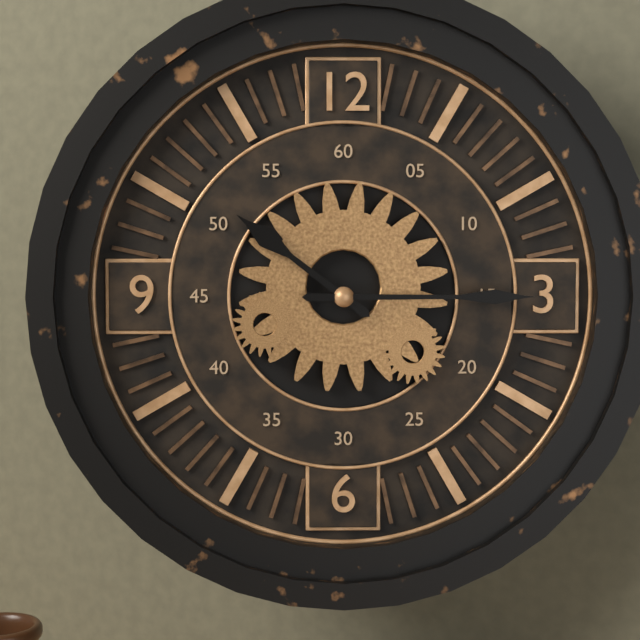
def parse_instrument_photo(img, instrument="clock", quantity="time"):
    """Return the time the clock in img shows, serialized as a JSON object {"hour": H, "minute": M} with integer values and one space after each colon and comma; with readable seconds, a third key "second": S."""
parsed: {"hour": 10, "minute": 15}
